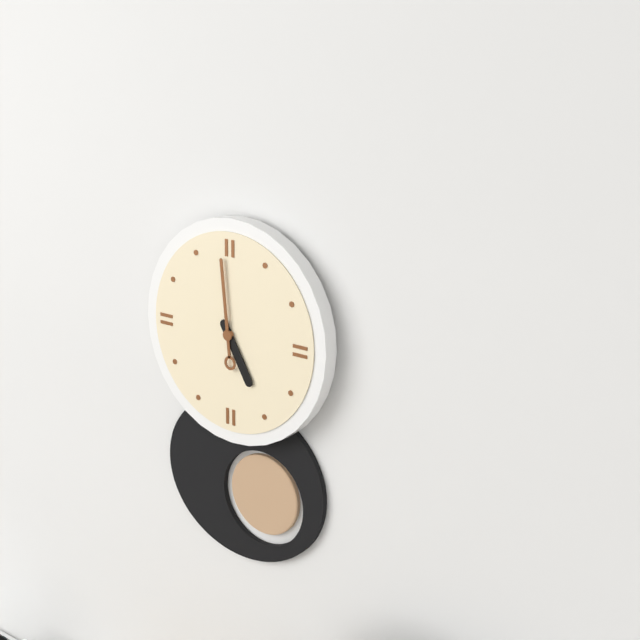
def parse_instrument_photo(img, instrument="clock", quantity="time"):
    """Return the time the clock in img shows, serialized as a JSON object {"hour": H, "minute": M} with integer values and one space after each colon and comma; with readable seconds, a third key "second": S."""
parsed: {"hour": 4, "minute": 59}
